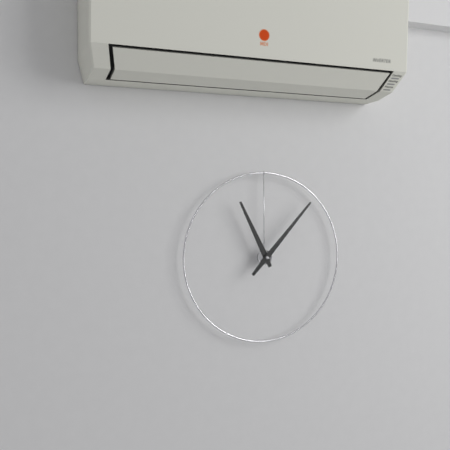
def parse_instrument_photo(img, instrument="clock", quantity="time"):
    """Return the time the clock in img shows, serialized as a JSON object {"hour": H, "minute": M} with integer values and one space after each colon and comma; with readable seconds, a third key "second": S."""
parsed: {"hour": 11, "minute": 7}
